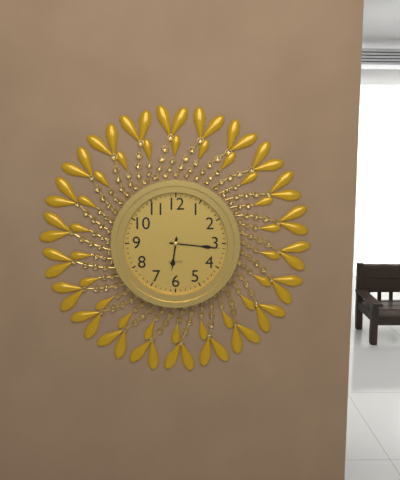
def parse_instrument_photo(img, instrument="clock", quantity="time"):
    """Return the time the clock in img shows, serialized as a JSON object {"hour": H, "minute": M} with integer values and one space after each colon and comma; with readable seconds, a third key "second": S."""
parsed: {"hour": 6, "minute": 16}
